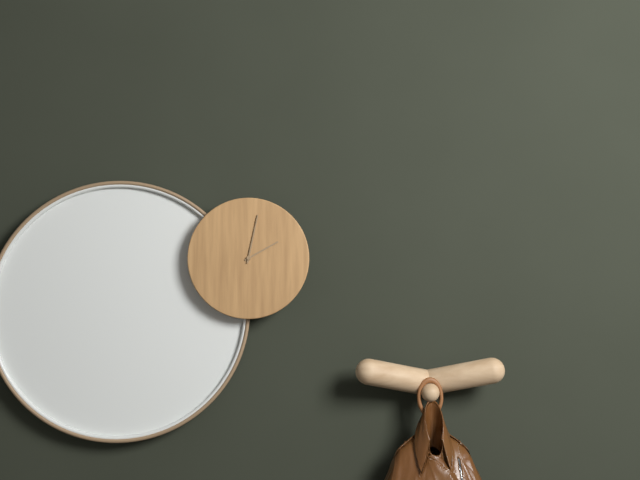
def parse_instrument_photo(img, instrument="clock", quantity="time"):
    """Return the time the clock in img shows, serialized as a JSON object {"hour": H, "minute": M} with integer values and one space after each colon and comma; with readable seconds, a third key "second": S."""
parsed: {"hour": 2, "minute": 2}
